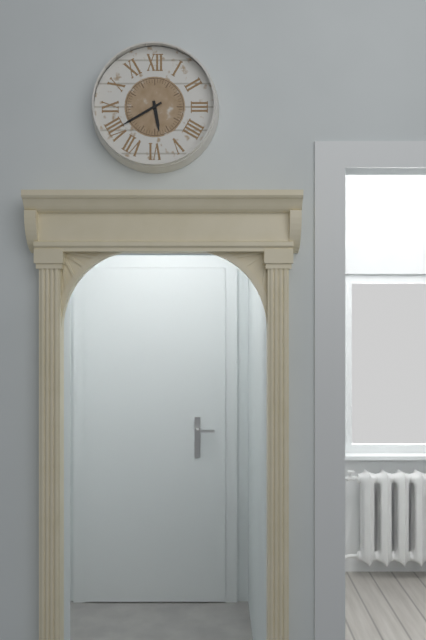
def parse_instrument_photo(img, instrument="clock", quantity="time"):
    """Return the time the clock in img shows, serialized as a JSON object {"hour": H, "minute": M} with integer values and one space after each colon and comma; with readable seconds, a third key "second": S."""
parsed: {"hour": 5, "minute": 40}
